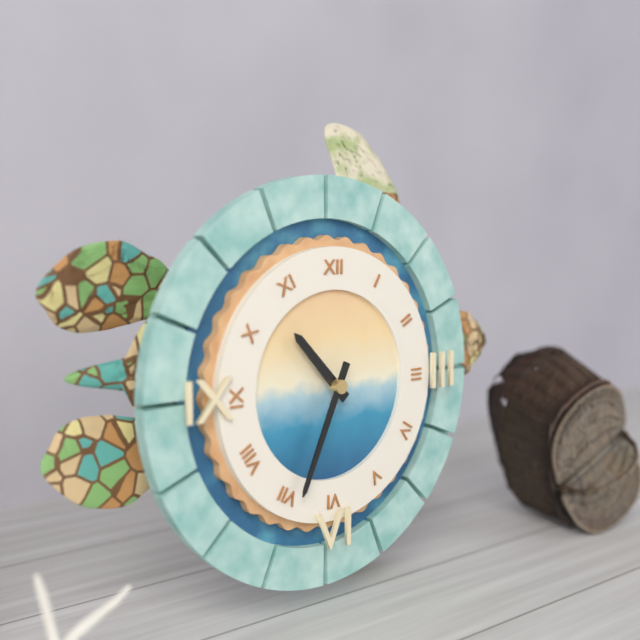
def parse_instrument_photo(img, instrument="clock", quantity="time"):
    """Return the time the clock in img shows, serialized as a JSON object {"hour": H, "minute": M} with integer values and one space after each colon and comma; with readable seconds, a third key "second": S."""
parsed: {"hour": 10, "minute": 34}
